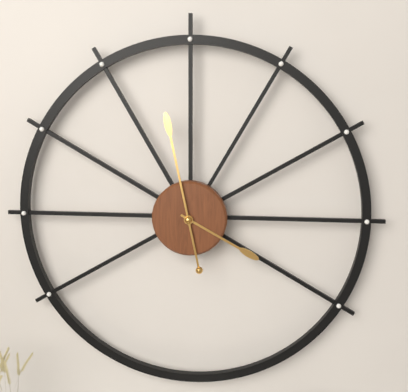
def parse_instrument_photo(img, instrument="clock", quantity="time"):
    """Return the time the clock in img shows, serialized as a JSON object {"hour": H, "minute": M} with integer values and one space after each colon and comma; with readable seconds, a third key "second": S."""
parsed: {"hour": 3, "minute": 58}
